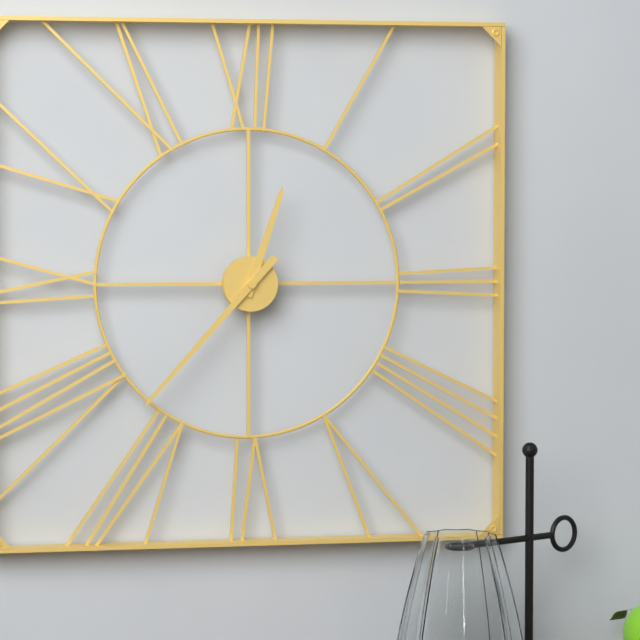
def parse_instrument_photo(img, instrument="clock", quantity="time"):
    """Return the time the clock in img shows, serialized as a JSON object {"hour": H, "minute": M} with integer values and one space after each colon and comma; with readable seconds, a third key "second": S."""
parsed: {"hour": 12, "minute": 37}
